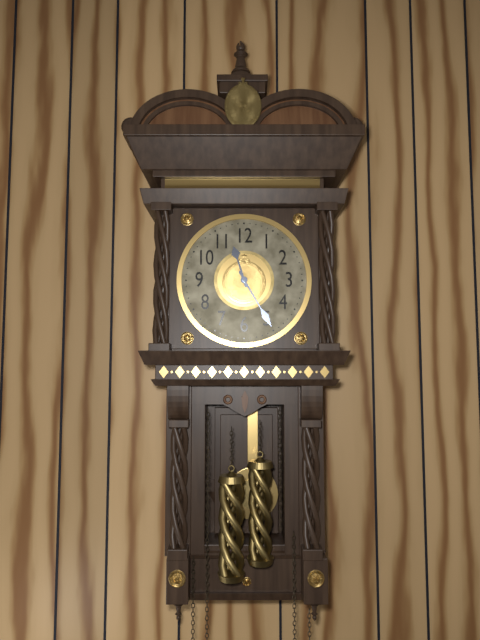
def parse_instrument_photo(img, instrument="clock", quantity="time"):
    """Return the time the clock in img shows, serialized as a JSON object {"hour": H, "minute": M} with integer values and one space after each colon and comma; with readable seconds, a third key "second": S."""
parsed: {"hour": 11, "minute": 25}
